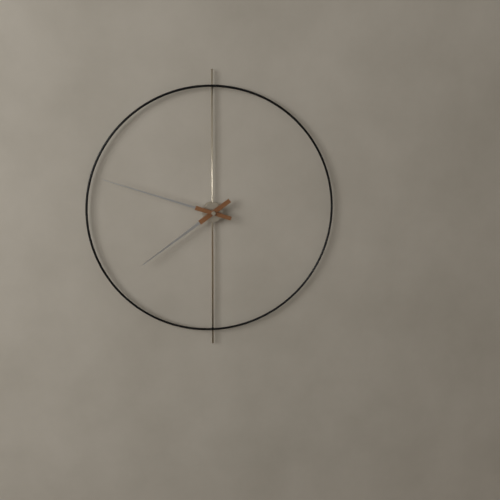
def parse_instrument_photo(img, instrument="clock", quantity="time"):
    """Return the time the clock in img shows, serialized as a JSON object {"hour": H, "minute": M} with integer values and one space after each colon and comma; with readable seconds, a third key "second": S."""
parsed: {"hour": 7, "minute": 48}
